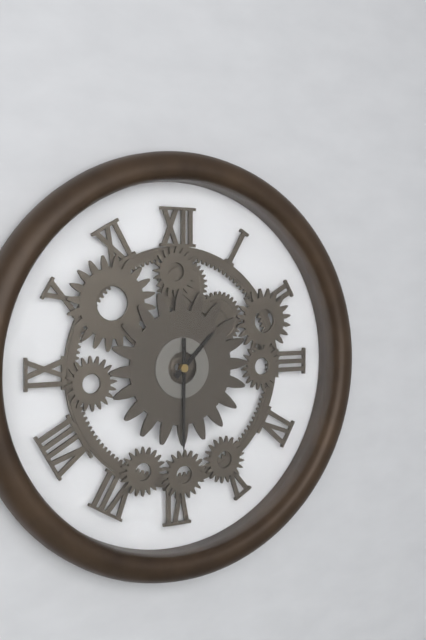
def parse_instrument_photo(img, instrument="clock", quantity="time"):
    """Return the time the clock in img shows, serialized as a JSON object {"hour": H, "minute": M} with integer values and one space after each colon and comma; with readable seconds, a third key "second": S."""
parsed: {"hour": 1, "minute": 30}
